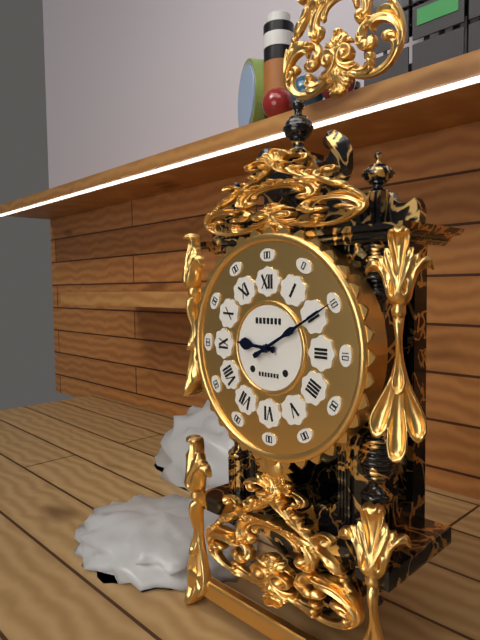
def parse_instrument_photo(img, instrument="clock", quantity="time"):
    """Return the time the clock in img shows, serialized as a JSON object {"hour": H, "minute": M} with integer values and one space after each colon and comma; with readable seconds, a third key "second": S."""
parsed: {"hour": 9, "minute": 10}
